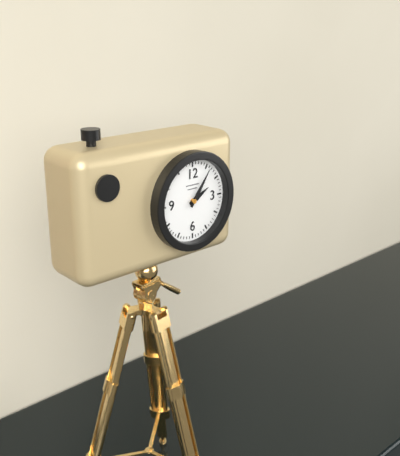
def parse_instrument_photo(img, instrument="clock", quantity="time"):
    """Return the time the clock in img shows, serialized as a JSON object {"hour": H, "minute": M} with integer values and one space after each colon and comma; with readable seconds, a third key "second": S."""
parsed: {"hour": 2, "minute": 6}
